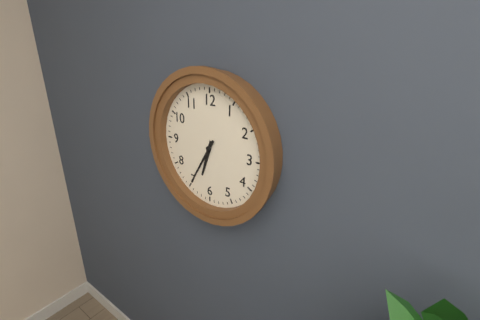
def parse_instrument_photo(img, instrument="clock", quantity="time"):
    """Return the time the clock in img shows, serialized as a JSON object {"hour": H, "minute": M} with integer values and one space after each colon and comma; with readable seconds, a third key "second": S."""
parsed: {"hour": 6, "minute": 35}
